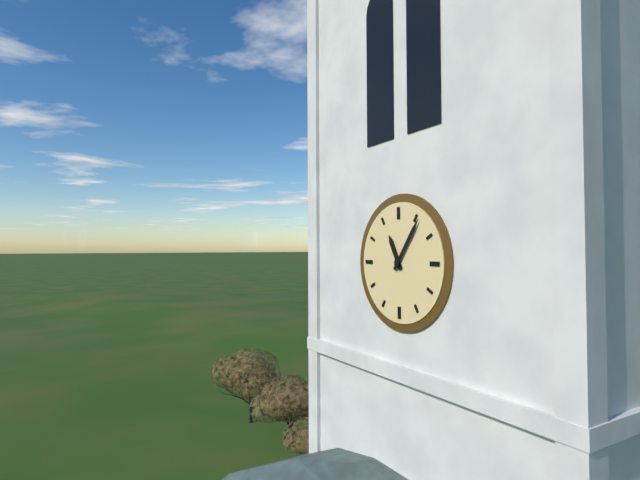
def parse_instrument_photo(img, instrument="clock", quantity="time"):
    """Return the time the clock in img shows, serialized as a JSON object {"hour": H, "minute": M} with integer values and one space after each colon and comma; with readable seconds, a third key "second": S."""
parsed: {"hour": 11, "minute": 6}
